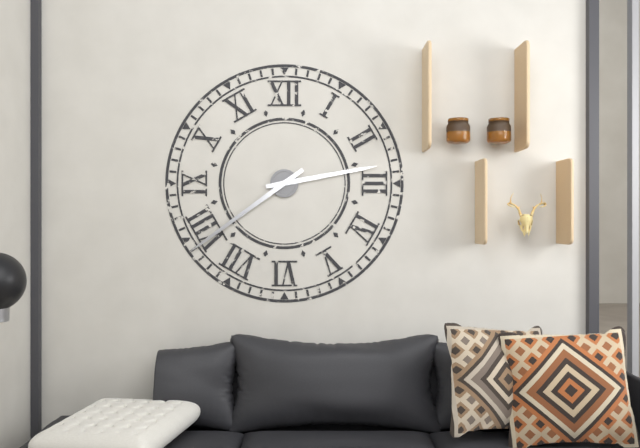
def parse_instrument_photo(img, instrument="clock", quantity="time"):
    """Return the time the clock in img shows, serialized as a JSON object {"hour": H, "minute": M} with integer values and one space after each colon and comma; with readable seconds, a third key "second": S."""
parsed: {"hour": 2, "minute": 39}
